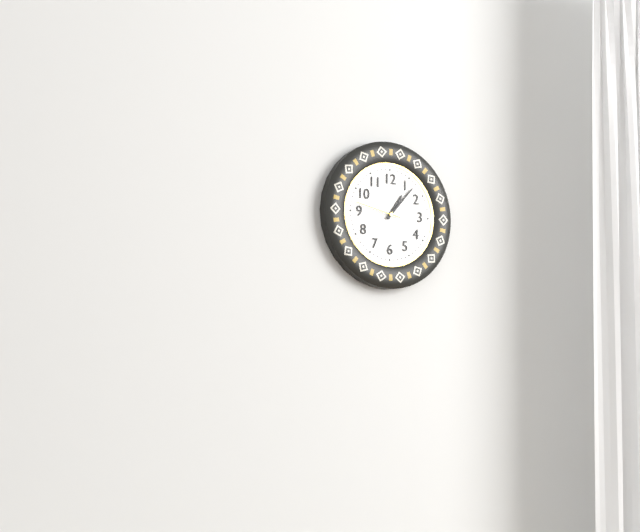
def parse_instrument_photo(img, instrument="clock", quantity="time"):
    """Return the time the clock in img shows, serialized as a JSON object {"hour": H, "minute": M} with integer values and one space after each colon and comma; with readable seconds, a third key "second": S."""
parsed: {"hour": 1, "minute": 7}
